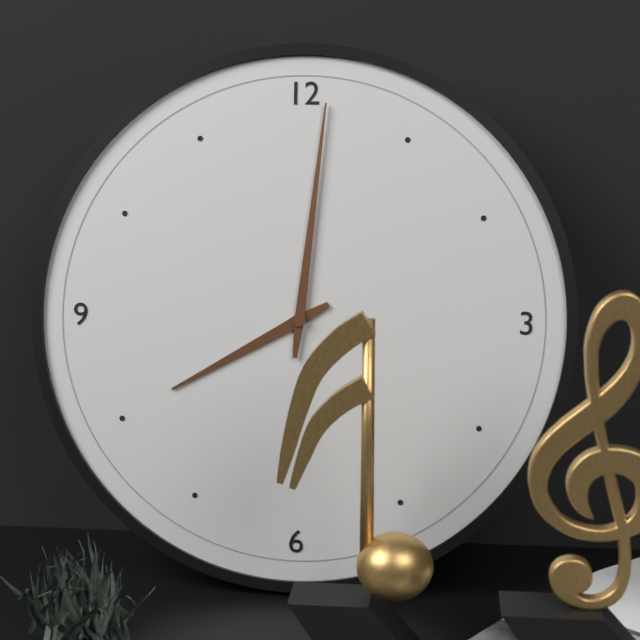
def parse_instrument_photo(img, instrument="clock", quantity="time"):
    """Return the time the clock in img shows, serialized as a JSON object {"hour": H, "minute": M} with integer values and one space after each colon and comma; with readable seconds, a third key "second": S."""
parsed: {"hour": 8, "minute": 1}
